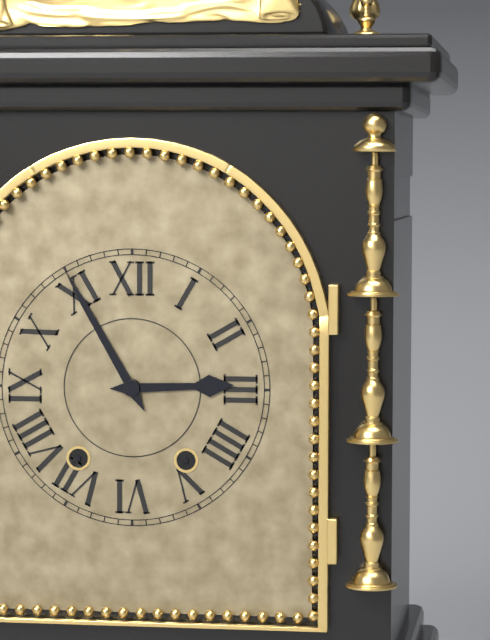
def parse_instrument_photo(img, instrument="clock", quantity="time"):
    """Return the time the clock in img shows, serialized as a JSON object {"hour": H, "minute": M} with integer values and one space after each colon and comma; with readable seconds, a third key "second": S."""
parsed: {"hour": 2, "minute": 55}
